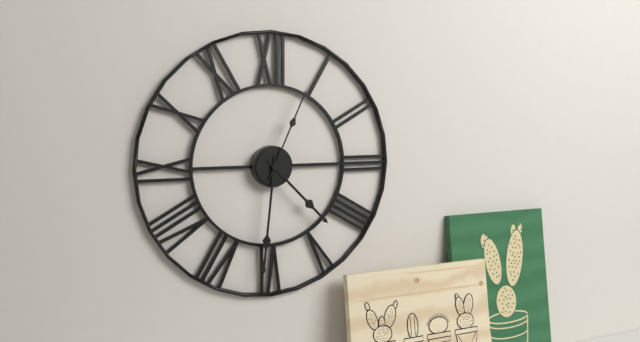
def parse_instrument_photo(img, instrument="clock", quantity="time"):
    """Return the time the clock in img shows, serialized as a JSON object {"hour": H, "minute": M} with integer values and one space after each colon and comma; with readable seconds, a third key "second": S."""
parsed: {"hour": 4, "minute": 31, "second": 4}
